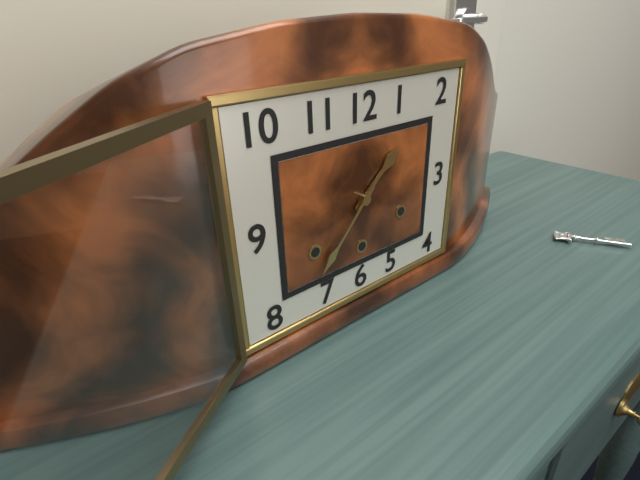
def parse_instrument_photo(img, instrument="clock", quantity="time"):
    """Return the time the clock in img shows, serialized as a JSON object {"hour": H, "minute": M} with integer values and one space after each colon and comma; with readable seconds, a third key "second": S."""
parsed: {"hour": 1, "minute": 37}
